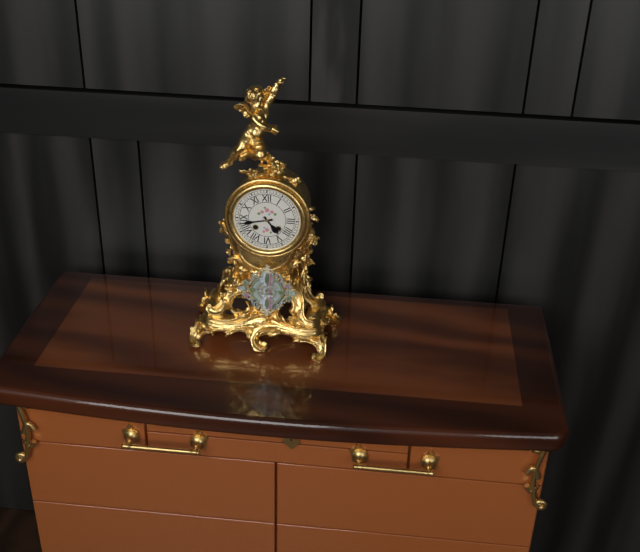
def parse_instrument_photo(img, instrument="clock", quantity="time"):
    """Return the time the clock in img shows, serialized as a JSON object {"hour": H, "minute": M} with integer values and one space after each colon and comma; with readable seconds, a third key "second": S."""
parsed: {"hour": 4, "minute": 43}
